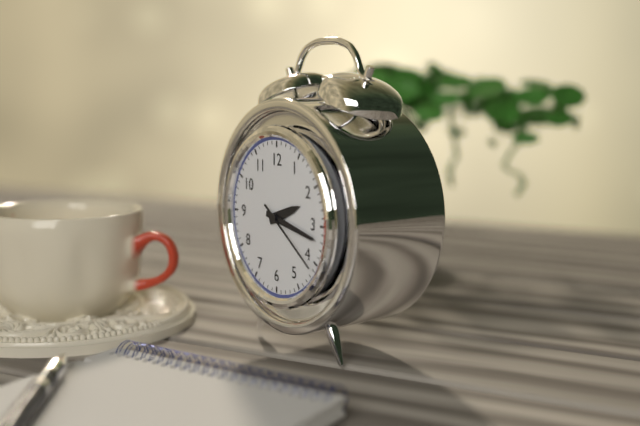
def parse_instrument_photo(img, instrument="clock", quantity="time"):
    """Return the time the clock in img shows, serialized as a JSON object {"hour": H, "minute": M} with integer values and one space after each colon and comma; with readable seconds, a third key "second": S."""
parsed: {"hour": 2, "minute": 17, "second": 21}
